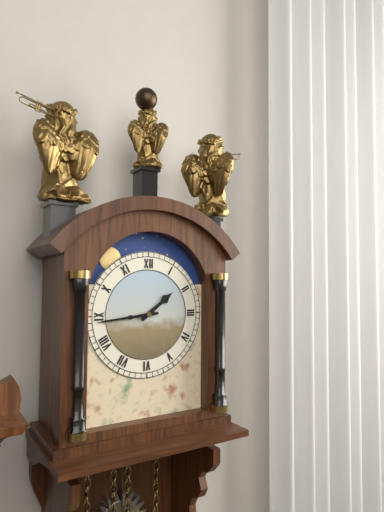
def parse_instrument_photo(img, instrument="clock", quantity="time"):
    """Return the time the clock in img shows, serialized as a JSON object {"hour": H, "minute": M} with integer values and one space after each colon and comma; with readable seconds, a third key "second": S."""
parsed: {"hour": 1, "minute": 44}
